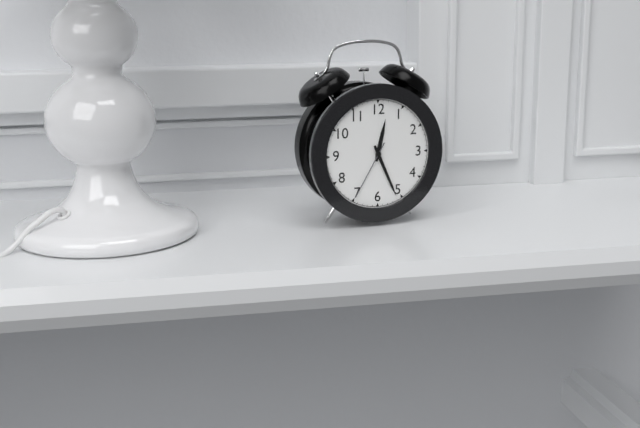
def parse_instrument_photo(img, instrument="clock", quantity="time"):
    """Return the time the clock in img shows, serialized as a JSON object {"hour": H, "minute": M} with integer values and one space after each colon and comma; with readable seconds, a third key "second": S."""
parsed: {"hour": 12, "minute": 26, "second": 35}
